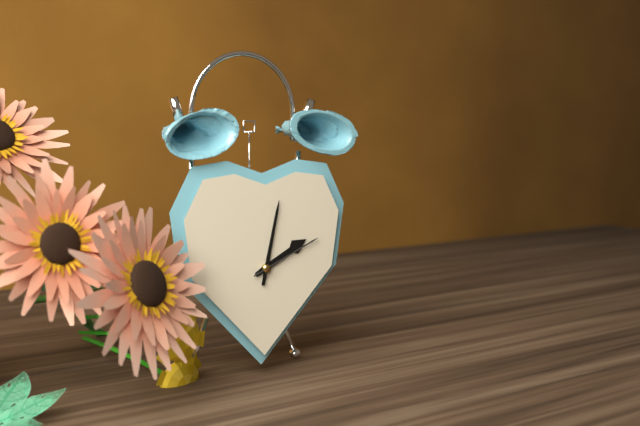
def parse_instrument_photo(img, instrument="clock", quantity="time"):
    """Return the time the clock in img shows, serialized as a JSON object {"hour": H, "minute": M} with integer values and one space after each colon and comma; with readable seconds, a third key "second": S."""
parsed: {"hour": 2, "minute": 2, "second": 11}
